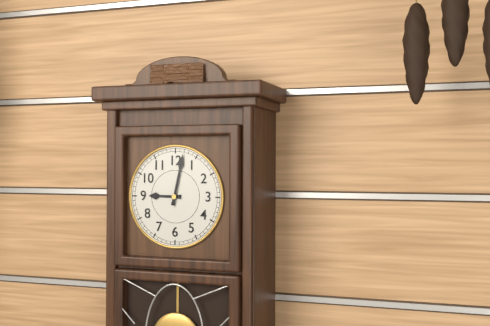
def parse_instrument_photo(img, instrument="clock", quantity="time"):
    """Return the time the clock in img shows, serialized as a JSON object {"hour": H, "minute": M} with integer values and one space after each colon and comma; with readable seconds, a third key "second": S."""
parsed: {"hour": 9, "minute": 2}
